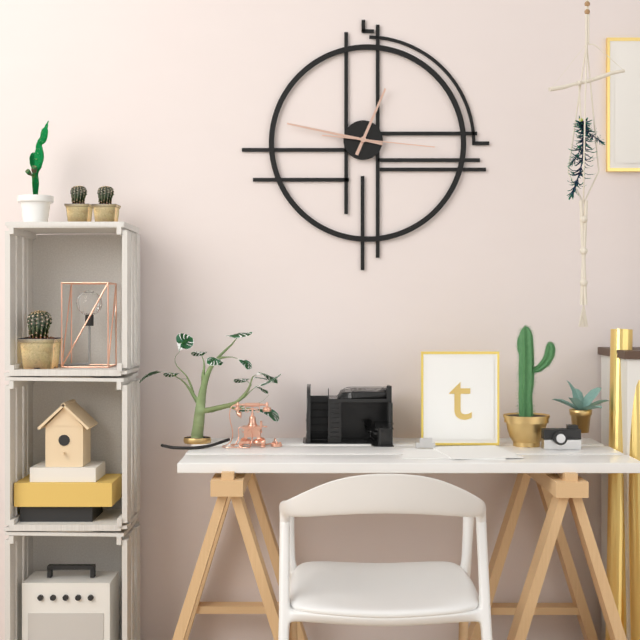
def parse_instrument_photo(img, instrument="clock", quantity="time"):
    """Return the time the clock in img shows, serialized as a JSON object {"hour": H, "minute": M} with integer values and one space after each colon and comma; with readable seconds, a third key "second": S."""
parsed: {"hour": 12, "minute": 47, "second": 16}
